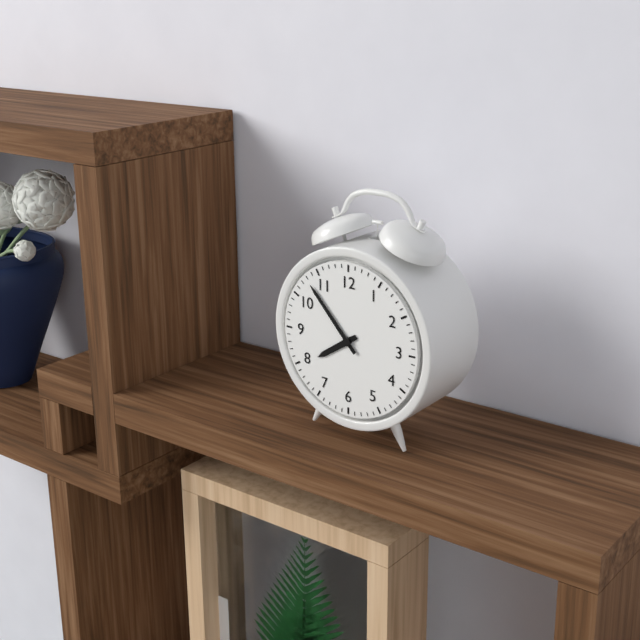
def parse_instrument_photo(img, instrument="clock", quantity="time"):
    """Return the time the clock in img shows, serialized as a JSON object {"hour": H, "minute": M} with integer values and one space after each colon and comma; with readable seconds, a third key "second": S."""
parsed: {"hour": 7, "minute": 53}
